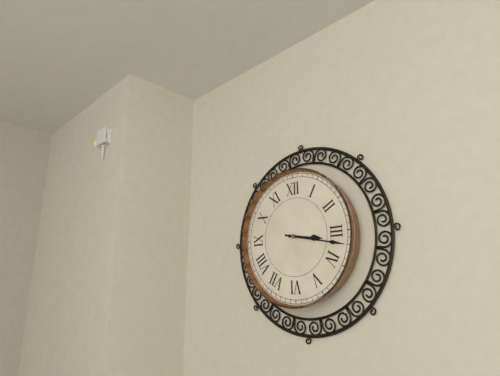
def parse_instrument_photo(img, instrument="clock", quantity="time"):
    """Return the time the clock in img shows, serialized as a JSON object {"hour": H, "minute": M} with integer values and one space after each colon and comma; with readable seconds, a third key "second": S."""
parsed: {"hour": 3, "minute": 17}
